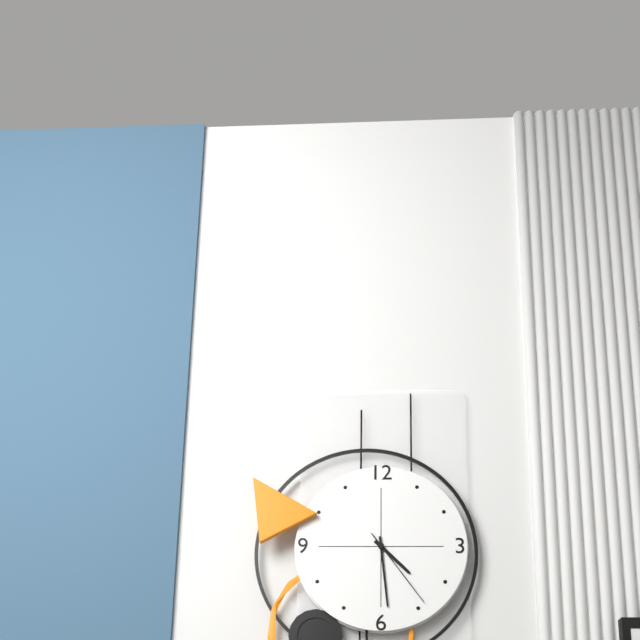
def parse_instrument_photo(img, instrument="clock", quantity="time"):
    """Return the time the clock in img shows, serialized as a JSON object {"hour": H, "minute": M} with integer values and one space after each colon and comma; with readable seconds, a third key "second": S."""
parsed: {"hour": 4, "minute": 29, "second": 24}
